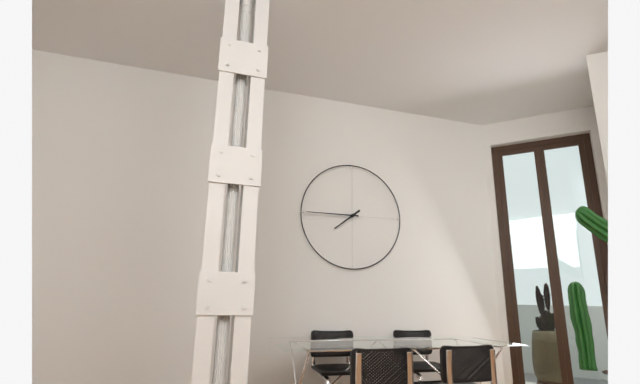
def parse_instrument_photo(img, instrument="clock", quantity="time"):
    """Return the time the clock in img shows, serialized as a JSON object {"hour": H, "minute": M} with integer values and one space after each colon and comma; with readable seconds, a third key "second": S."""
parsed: {"hour": 7, "minute": 45}
